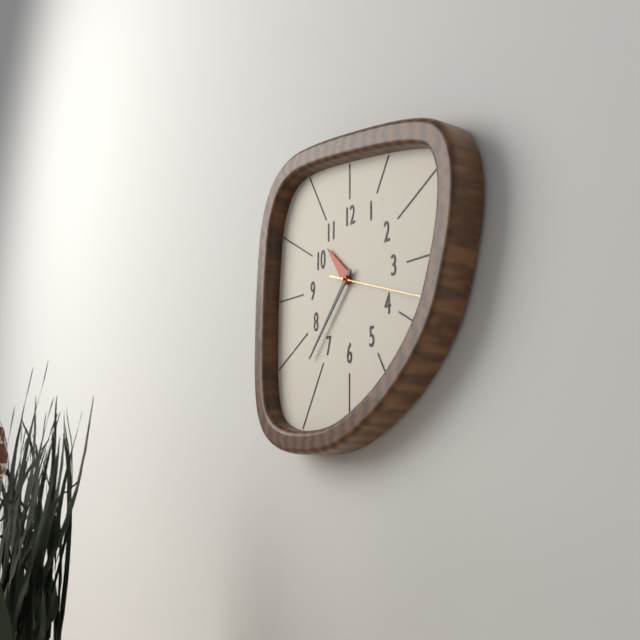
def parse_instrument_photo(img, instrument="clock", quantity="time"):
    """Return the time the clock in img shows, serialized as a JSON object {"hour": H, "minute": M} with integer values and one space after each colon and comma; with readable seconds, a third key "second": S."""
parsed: {"hour": 10, "minute": 37, "second": 18}
